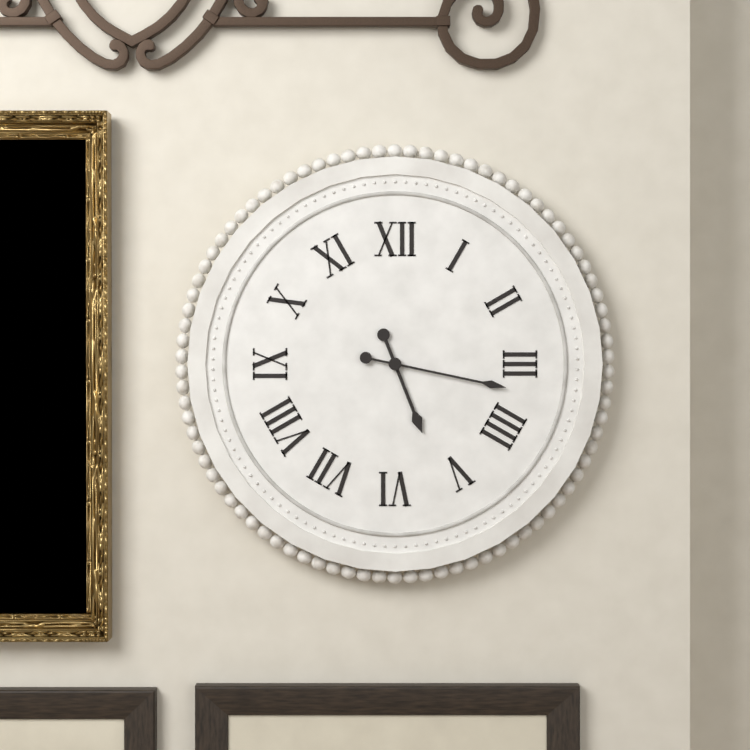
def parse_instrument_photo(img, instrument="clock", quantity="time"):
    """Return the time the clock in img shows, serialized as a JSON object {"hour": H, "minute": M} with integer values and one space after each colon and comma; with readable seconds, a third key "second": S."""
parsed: {"hour": 5, "minute": 17}
